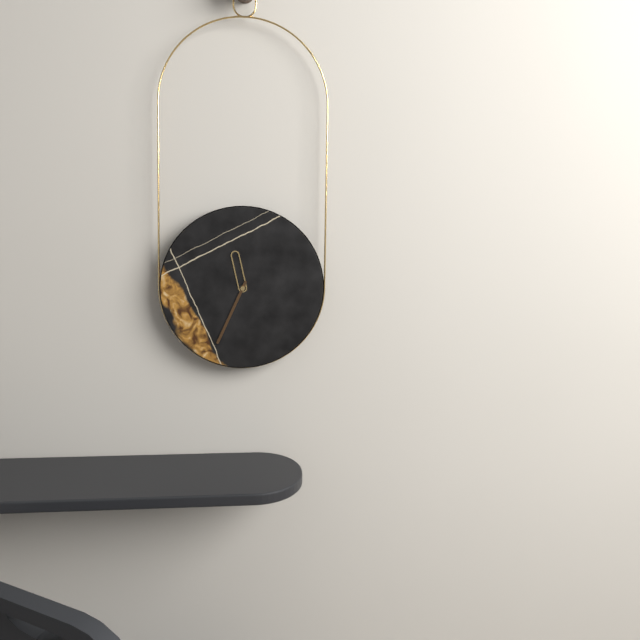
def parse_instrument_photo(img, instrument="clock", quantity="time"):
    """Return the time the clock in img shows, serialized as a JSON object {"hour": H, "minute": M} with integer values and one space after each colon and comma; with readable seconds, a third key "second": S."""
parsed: {"hour": 11, "minute": 34}
